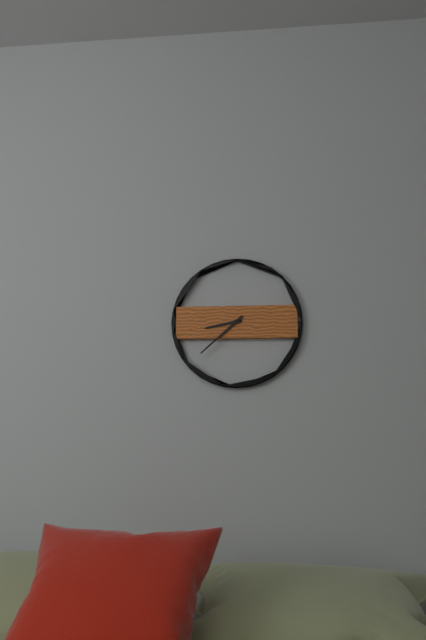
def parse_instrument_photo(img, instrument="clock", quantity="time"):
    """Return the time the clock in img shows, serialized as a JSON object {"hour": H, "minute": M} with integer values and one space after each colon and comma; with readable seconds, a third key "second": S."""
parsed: {"hour": 8, "minute": 38}
